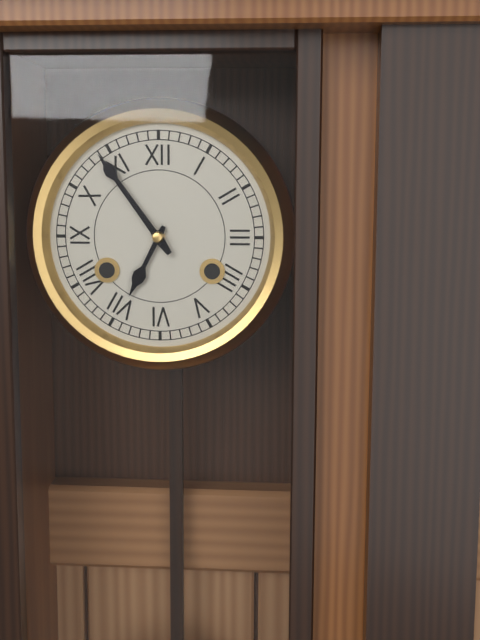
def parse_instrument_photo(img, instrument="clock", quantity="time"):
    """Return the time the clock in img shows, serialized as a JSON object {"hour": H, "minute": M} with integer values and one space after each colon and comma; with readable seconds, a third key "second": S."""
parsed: {"hour": 6, "minute": 54}
